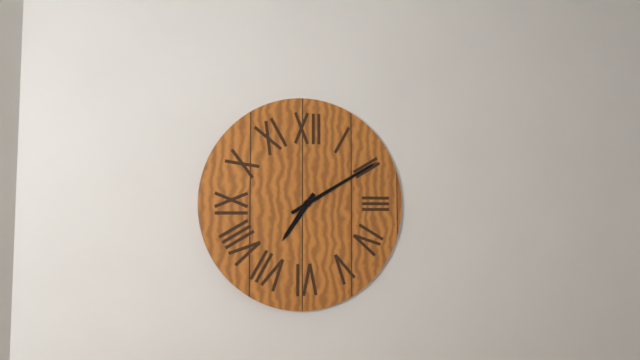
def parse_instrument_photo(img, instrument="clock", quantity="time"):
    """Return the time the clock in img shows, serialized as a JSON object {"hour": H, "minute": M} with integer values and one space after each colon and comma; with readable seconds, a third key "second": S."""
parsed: {"hour": 7, "minute": 10}
